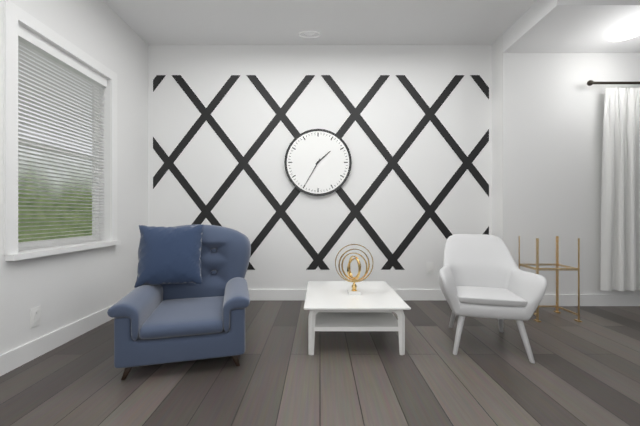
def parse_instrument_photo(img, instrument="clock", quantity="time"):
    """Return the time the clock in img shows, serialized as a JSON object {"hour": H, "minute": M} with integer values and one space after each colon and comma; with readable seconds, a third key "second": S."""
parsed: {"hour": 1, "minute": 35}
